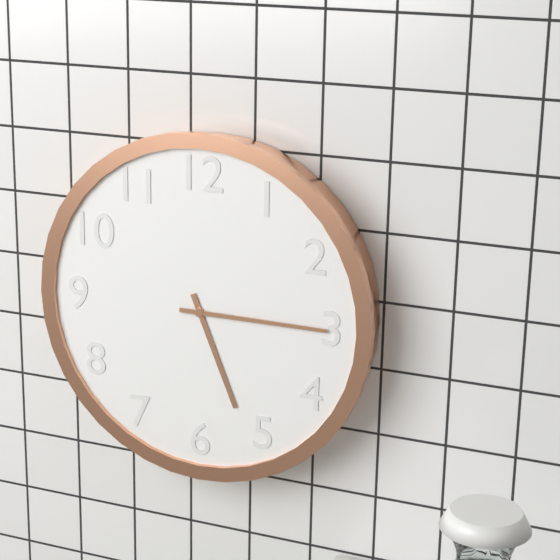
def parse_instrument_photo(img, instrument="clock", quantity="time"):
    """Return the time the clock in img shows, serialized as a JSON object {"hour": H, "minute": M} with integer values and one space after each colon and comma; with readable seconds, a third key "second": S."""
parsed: {"hour": 5, "minute": 15}
